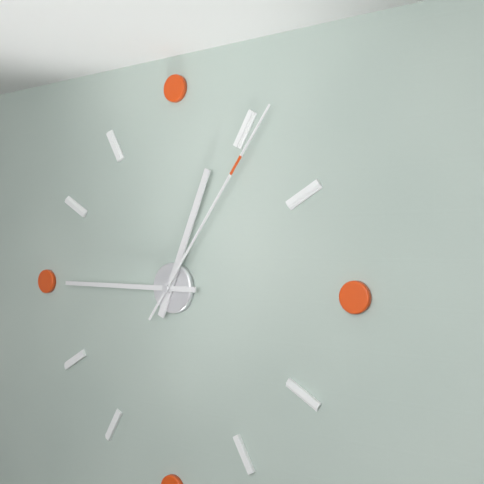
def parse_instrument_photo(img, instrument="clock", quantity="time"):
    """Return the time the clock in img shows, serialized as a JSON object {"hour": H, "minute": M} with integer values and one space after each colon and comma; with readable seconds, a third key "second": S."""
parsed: {"hour": 12, "minute": 45, "second": 6}
